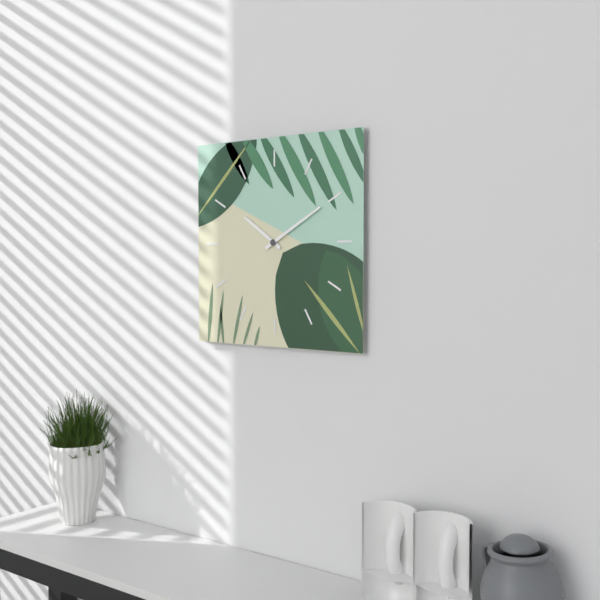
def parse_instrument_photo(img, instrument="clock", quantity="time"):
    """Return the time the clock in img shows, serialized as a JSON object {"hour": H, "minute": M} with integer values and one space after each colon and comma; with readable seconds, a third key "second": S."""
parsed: {"hour": 10, "minute": 10}
